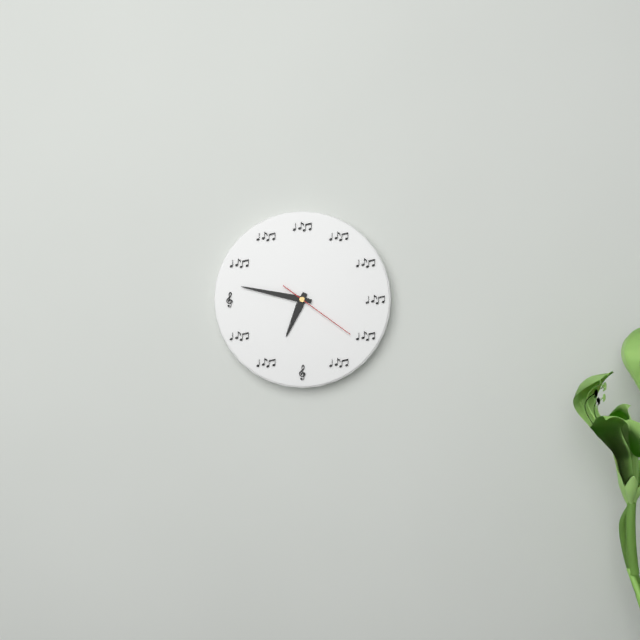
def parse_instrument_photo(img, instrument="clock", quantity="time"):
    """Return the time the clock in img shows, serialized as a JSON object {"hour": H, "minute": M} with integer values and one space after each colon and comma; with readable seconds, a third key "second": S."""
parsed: {"hour": 6, "minute": 47, "second": 21}
